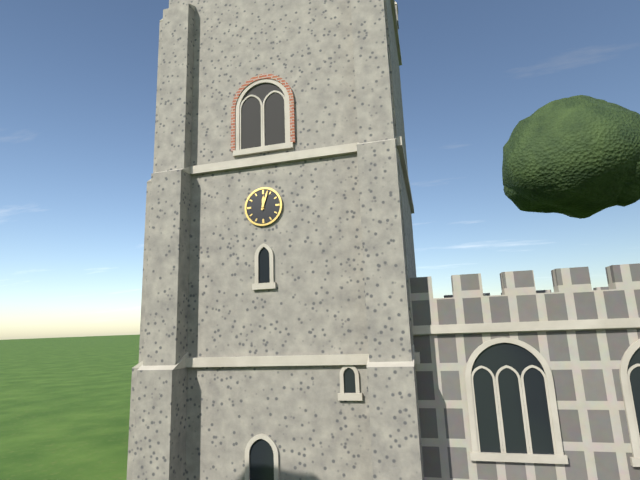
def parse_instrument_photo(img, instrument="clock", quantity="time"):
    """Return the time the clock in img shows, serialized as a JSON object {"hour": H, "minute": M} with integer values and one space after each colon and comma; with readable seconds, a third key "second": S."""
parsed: {"hour": 12, "minute": 3}
